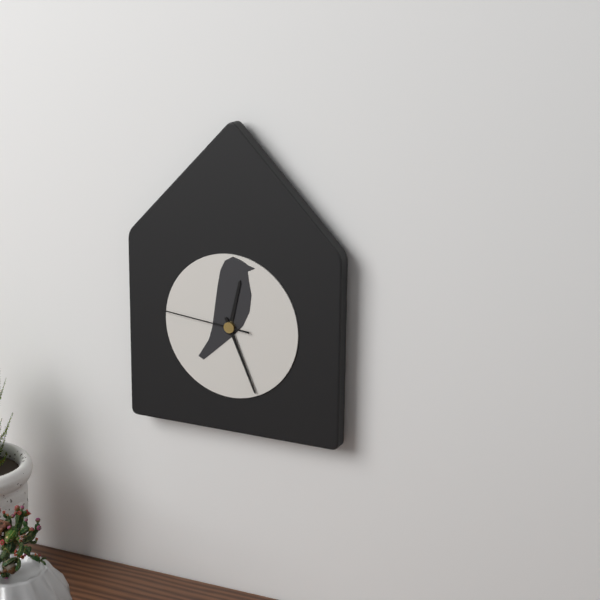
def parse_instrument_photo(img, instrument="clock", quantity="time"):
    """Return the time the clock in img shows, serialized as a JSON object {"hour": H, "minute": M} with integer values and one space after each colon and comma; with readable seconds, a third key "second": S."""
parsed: {"hour": 12, "minute": 26, "second": 46}
